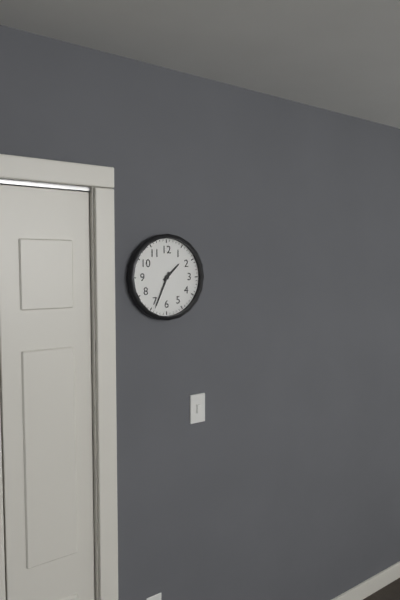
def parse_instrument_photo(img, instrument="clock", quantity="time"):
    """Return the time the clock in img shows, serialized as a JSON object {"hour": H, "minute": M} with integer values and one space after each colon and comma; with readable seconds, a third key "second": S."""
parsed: {"hour": 1, "minute": 34}
